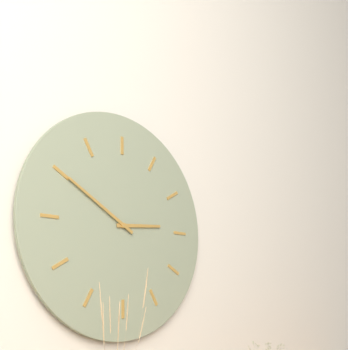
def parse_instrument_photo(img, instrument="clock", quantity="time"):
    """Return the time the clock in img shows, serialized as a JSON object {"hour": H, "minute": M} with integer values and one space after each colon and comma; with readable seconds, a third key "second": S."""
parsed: {"hour": 2, "minute": 50}
